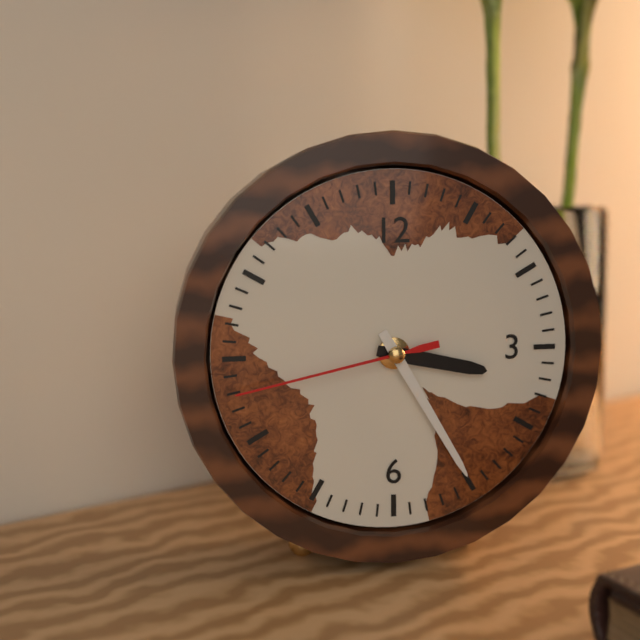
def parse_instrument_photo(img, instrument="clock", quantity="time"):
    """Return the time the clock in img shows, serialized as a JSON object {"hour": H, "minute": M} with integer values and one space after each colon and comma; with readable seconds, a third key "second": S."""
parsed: {"hour": 3, "minute": 25, "second": 43}
